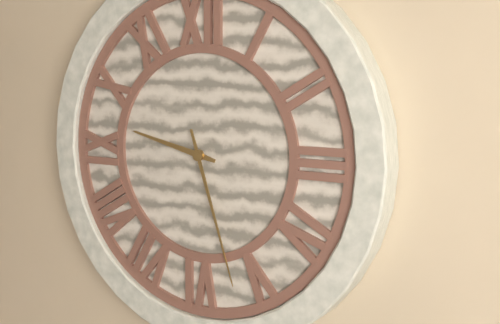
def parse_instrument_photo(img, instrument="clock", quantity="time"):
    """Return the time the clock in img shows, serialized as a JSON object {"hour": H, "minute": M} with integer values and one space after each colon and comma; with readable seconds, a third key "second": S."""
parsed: {"hour": 9, "minute": 27}
